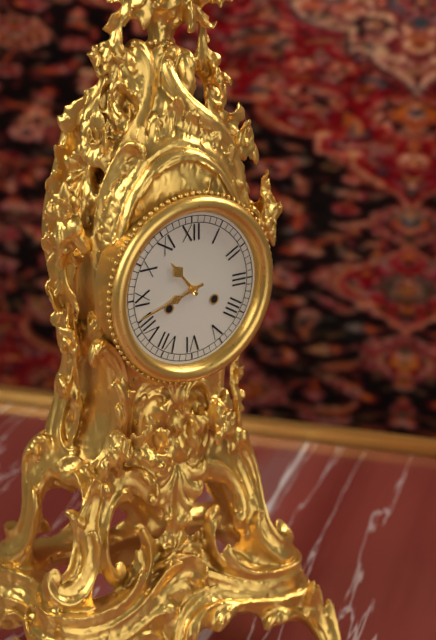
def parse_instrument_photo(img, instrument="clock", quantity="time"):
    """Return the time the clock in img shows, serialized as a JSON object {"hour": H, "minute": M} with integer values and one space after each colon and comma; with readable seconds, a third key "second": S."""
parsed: {"hour": 10, "minute": 42}
